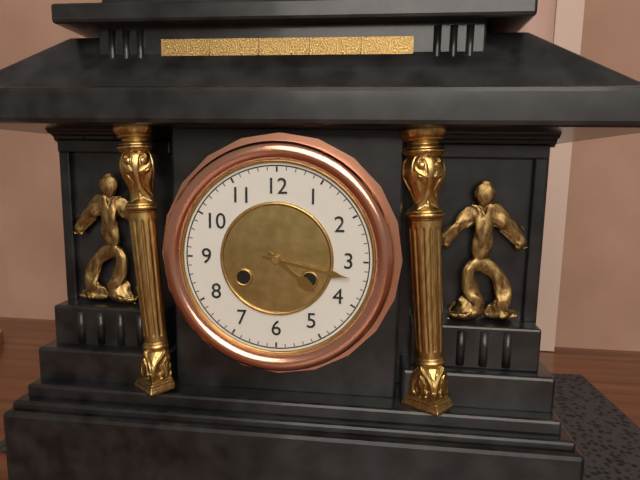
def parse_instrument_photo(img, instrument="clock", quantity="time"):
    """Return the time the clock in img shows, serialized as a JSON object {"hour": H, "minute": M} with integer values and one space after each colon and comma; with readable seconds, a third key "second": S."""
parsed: {"hour": 4, "minute": 17}
